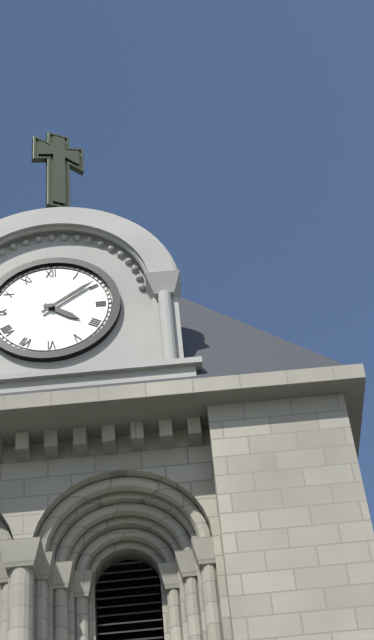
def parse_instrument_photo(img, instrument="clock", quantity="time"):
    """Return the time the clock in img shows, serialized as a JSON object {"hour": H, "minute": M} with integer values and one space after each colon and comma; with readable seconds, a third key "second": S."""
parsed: {"hour": 4, "minute": 9}
